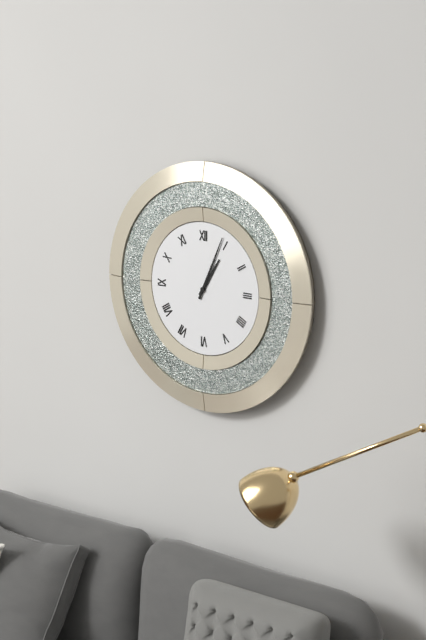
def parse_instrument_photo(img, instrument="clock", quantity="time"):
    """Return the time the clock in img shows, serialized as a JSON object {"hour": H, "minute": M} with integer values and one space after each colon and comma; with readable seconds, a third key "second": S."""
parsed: {"hour": 1, "minute": 4}
